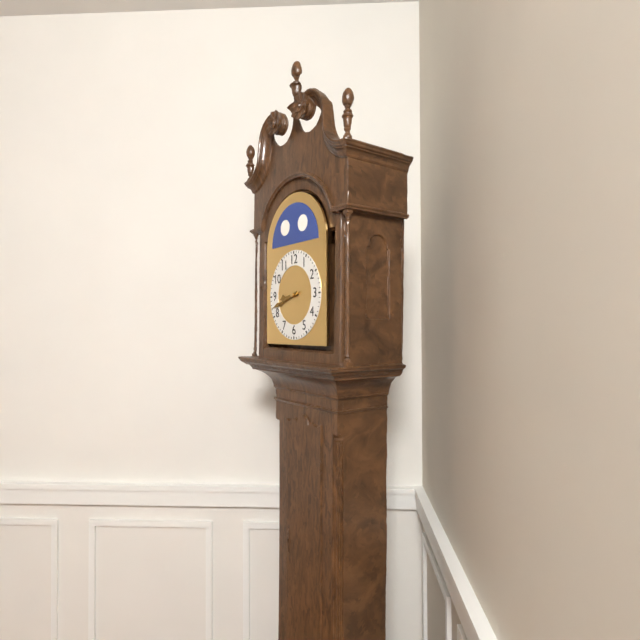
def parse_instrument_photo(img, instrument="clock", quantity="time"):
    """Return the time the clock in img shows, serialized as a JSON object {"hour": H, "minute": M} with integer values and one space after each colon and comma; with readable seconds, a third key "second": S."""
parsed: {"hour": 8, "minute": 42}
